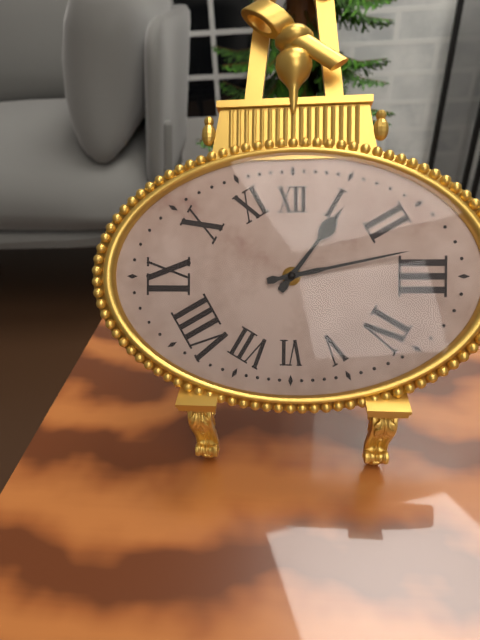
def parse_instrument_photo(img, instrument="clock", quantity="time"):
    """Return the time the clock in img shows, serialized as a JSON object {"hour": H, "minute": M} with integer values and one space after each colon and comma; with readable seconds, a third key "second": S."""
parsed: {"hour": 1, "minute": 13}
